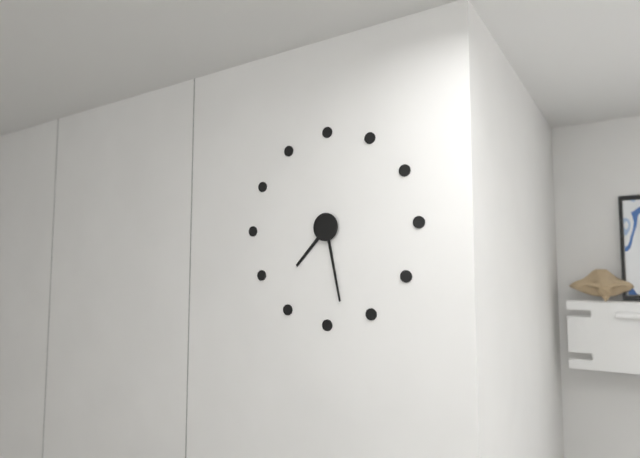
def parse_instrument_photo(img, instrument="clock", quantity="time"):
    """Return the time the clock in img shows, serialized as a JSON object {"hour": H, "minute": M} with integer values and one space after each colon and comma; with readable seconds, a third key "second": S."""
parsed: {"hour": 7, "minute": 28}
